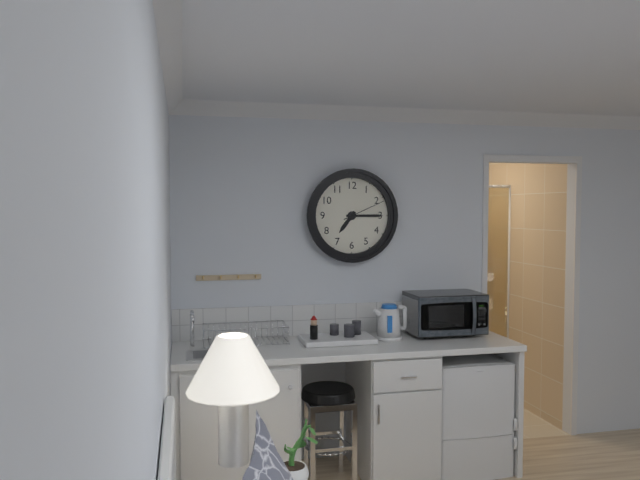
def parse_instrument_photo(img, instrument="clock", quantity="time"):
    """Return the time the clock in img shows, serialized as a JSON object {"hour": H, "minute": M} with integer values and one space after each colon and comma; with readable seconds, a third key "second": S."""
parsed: {"hour": 7, "minute": 15}
